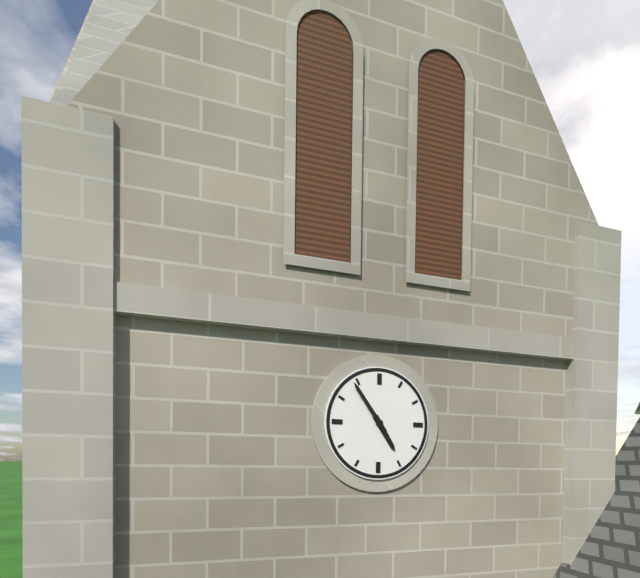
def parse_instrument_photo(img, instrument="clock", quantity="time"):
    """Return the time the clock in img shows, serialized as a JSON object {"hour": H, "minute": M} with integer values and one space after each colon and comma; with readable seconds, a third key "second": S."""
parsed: {"hour": 4, "minute": 54}
